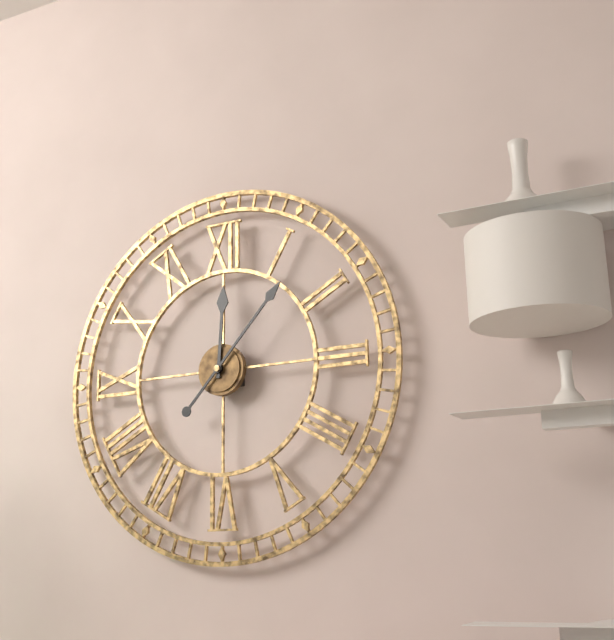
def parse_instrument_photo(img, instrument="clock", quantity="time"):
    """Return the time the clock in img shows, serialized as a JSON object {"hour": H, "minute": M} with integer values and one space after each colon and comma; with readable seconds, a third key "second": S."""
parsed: {"hour": 12, "minute": 7}
